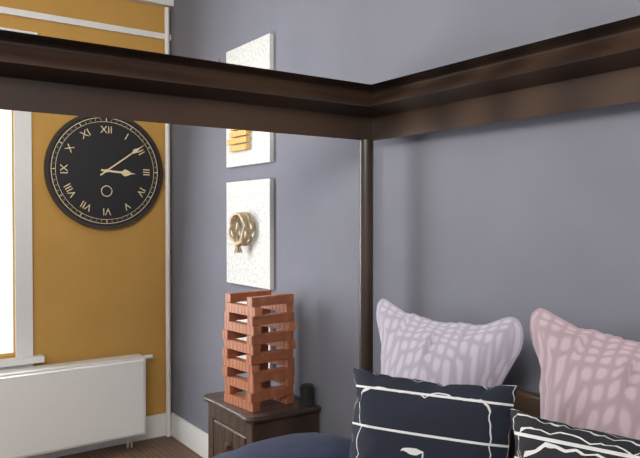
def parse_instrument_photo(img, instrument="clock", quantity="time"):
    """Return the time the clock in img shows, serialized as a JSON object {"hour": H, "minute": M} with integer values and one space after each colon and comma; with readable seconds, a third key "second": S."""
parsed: {"hour": 3, "minute": 9}
